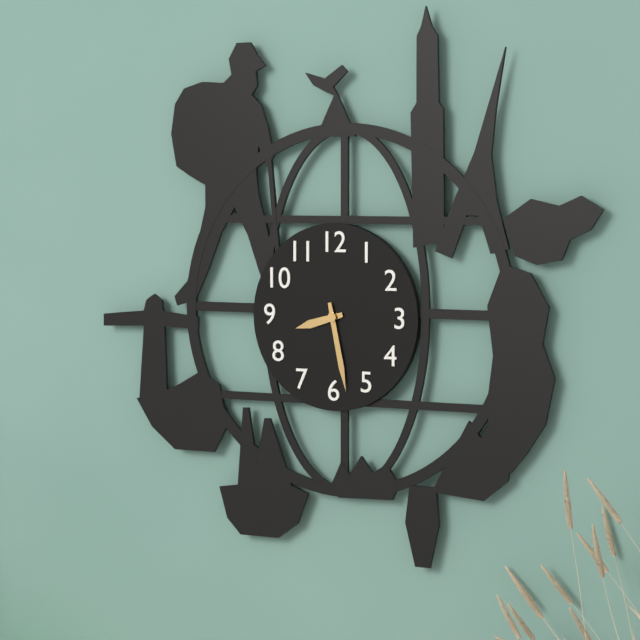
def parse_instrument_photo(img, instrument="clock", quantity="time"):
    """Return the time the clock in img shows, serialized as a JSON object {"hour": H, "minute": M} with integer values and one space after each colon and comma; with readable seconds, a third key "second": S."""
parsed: {"hour": 8, "minute": 28}
